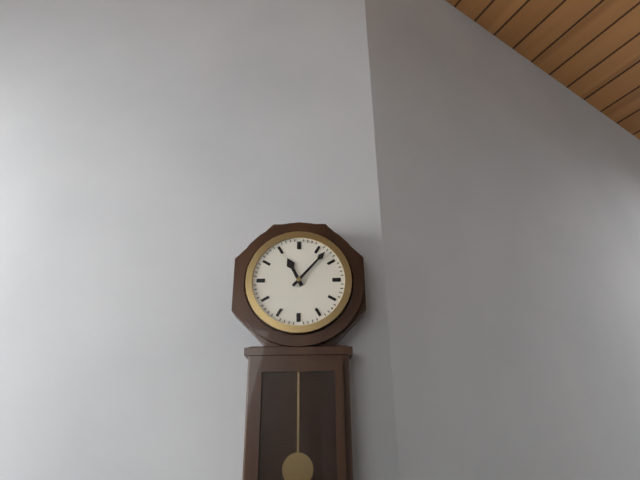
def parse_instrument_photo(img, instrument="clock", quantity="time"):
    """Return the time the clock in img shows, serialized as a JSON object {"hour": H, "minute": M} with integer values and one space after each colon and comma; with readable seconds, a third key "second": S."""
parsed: {"hour": 11, "minute": 7}
